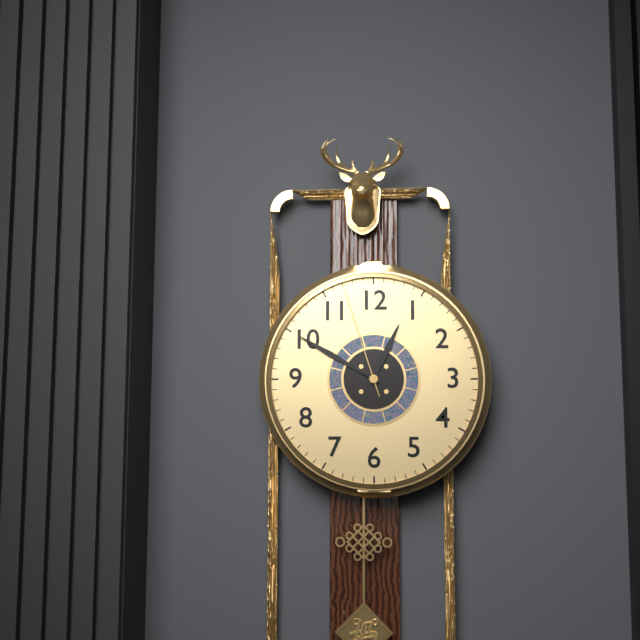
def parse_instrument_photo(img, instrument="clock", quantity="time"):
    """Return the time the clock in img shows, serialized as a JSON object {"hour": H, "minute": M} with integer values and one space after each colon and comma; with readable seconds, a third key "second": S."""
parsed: {"hour": 12, "minute": 50, "second": 57}
